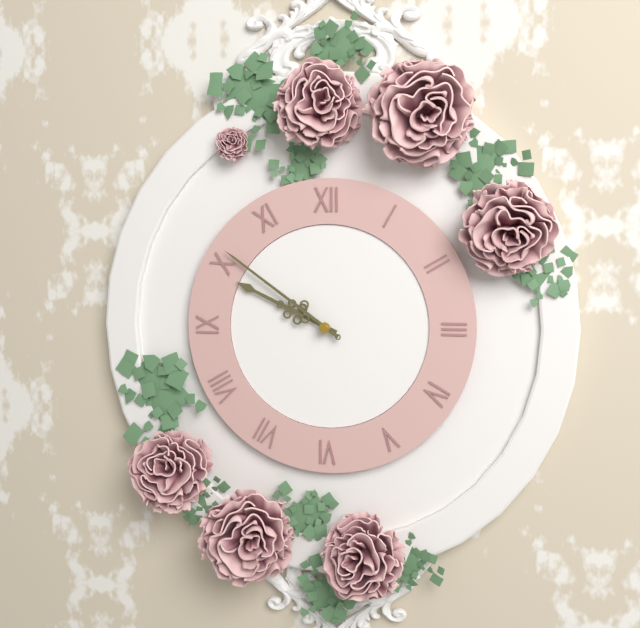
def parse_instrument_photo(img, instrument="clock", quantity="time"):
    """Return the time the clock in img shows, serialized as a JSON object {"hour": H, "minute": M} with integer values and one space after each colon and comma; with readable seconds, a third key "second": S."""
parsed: {"hour": 9, "minute": 51}
